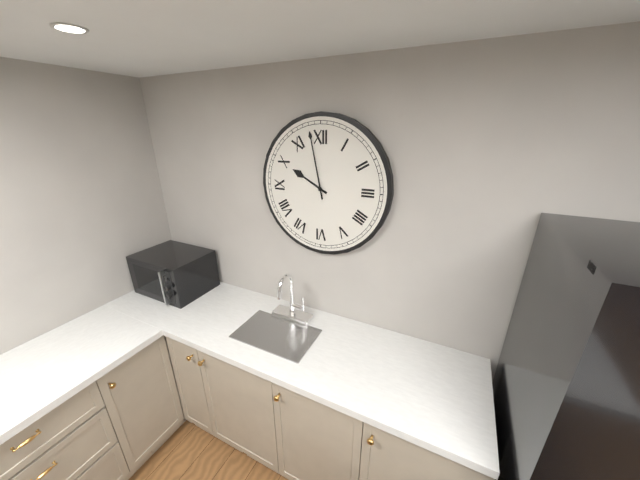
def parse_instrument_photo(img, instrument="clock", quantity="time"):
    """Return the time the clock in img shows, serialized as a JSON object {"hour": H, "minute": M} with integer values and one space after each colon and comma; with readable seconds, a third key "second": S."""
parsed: {"hour": 9, "minute": 58}
